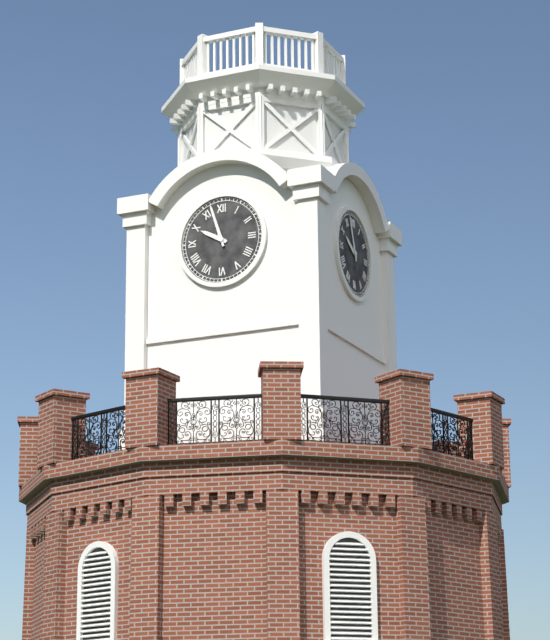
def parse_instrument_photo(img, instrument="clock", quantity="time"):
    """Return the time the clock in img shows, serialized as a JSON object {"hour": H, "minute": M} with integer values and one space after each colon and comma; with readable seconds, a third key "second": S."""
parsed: {"hour": 9, "minute": 57}
